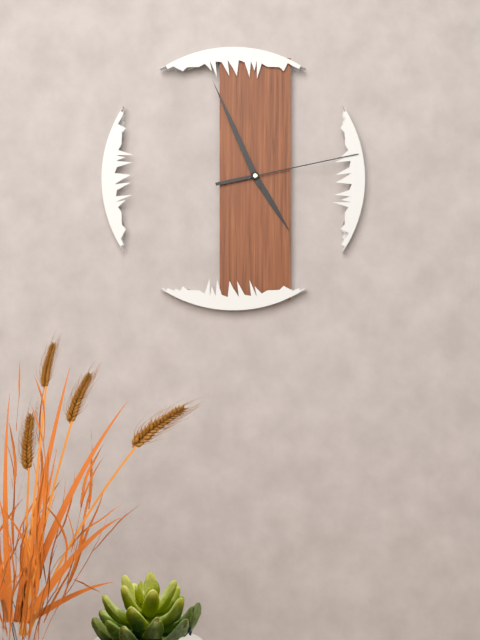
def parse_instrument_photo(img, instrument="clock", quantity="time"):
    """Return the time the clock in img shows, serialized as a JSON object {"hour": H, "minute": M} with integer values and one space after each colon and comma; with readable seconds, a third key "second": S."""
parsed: {"hour": 4, "minute": 56, "second": 13}
